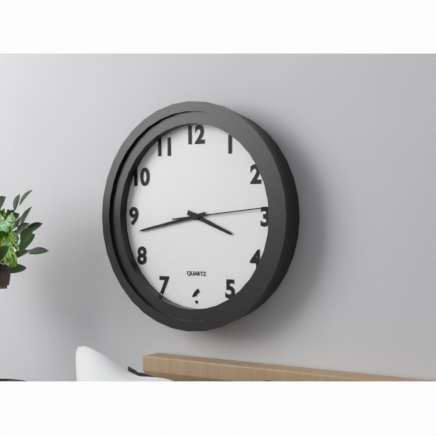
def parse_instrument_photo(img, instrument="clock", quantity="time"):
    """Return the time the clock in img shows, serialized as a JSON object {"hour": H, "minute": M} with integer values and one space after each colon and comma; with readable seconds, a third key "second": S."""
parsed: {"hour": 3, "minute": 43, "second": 14}
